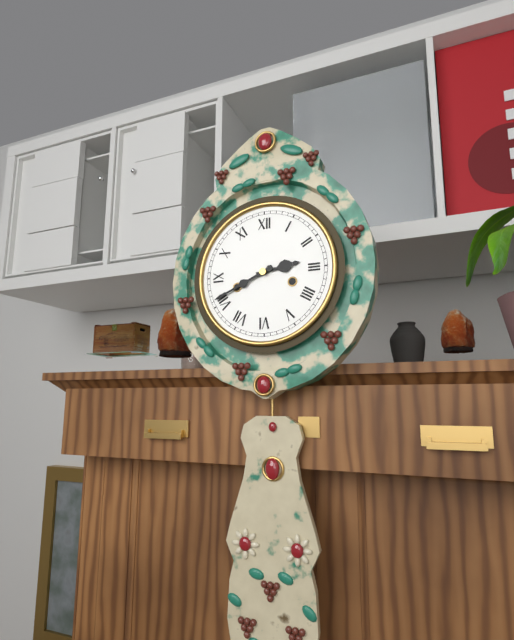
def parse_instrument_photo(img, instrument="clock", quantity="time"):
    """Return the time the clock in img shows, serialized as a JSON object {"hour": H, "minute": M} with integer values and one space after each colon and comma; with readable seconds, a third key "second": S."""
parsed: {"hour": 2, "minute": 41}
